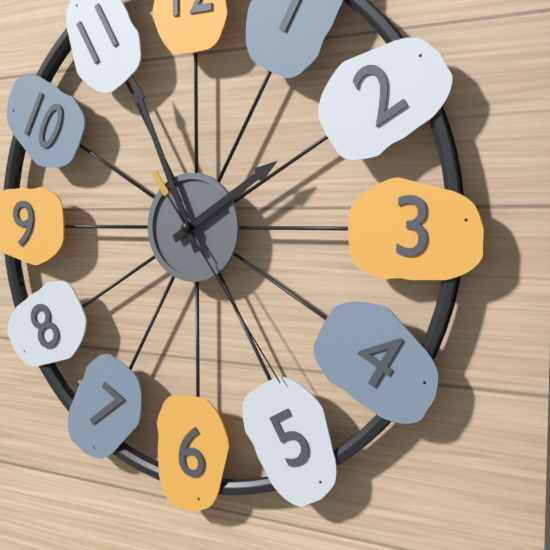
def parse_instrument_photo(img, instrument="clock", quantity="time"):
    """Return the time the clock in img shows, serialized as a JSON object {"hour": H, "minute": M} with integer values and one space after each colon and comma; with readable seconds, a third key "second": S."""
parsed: {"hour": 1, "minute": 56, "second": 24}
